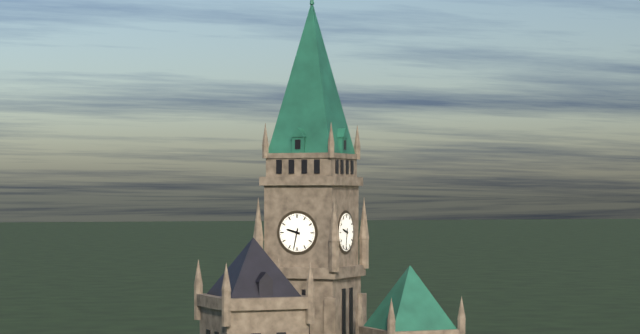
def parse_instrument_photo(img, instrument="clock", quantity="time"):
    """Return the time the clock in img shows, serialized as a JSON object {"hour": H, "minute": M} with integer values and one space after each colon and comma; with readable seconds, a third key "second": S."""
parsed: {"hour": 9, "minute": 32}
